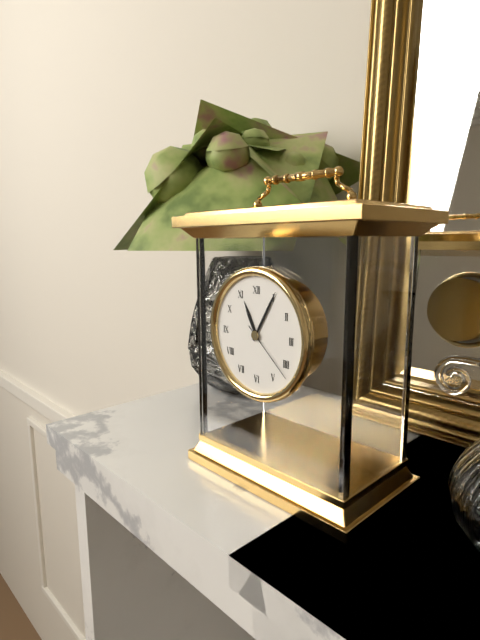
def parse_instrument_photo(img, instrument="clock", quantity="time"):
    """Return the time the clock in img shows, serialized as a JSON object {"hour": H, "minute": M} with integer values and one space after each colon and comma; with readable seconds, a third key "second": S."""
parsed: {"hour": 11, "minute": 5, "second": 22}
